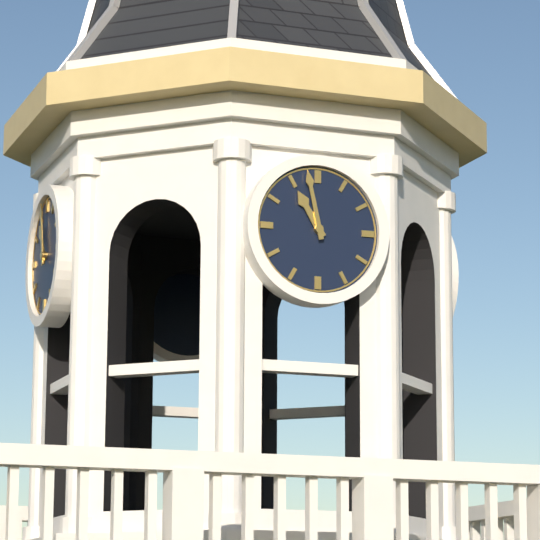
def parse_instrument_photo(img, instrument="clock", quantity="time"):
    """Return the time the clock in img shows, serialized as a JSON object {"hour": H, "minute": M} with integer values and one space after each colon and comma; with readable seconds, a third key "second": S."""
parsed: {"hour": 10, "minute": 58}
